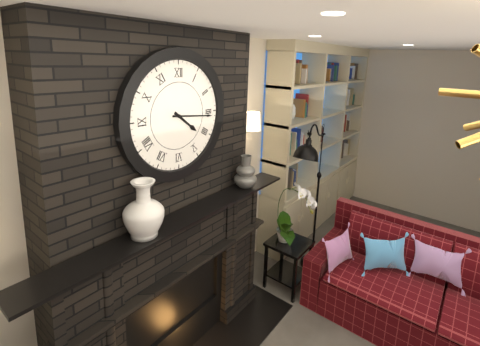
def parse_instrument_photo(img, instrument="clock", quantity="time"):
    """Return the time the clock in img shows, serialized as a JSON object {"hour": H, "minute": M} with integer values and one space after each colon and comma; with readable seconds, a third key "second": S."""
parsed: {"hour": 4, "minute": 16}
